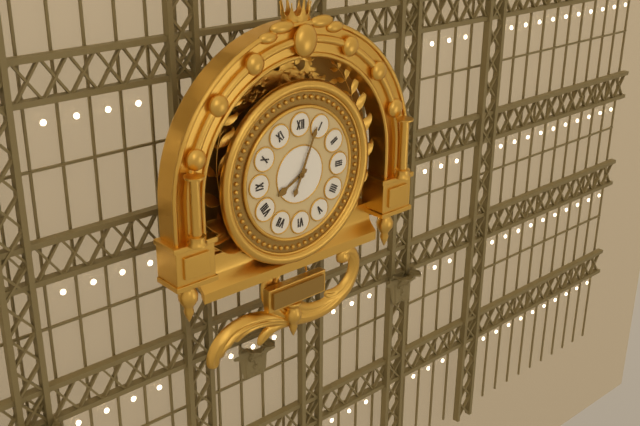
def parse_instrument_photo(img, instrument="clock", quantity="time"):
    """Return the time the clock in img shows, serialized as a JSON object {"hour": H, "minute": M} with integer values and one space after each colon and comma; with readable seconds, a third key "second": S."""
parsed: {"hour": 8, "minute": 4}
